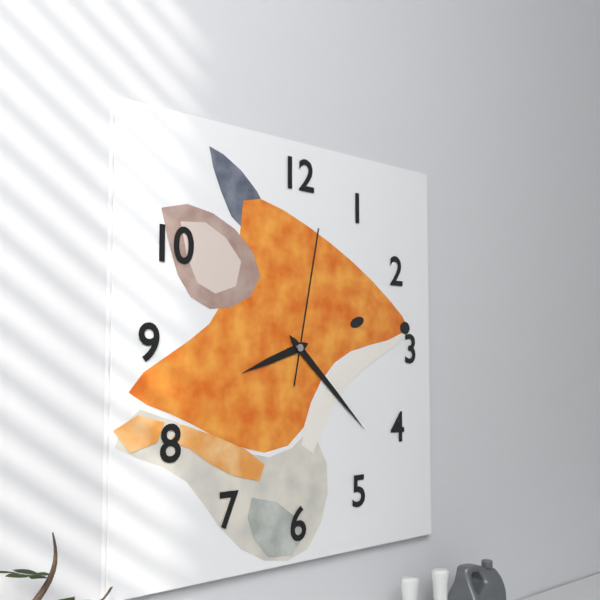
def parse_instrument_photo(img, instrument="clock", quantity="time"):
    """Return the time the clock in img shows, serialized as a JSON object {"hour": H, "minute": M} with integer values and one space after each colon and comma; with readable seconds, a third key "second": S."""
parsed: {"hour": 8, "minute": 22, "second": 2}
